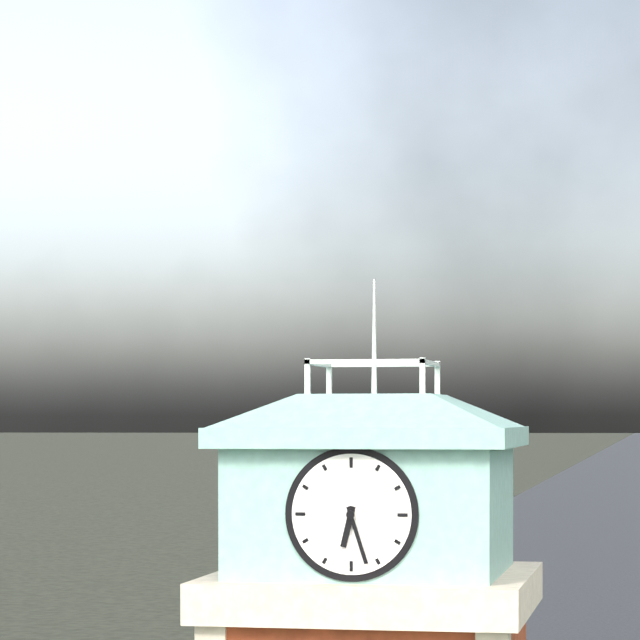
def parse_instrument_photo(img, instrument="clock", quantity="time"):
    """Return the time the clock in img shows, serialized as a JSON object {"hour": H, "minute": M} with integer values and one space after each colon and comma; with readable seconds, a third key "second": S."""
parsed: {"hour": 6, "minute": 27}
